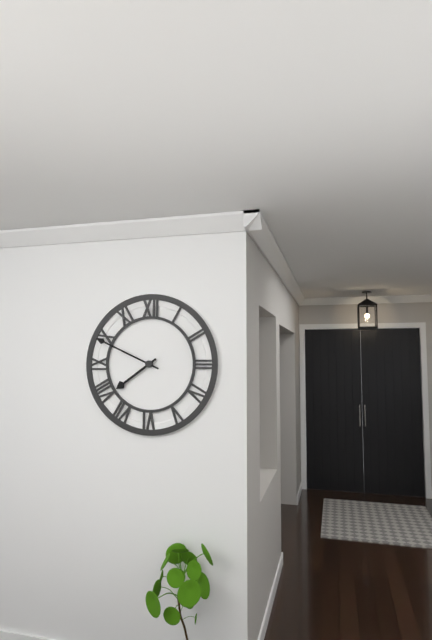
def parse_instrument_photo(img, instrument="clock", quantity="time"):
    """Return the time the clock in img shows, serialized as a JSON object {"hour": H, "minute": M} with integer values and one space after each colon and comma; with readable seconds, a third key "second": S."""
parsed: {"hour": 7, "minute": 49}
